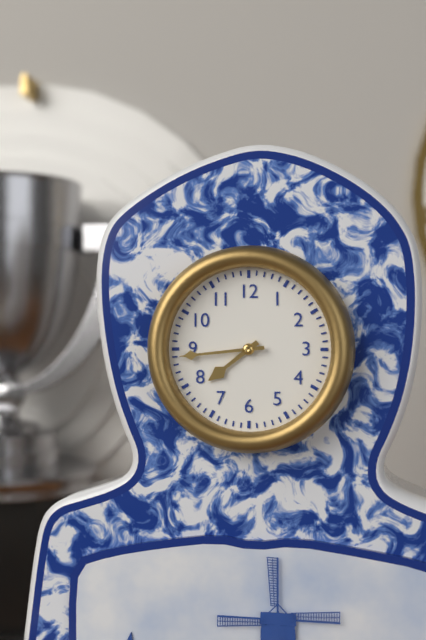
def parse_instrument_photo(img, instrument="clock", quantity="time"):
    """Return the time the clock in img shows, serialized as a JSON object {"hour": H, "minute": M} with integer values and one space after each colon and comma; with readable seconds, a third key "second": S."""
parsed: {"hour": 7, "minute": 44}
